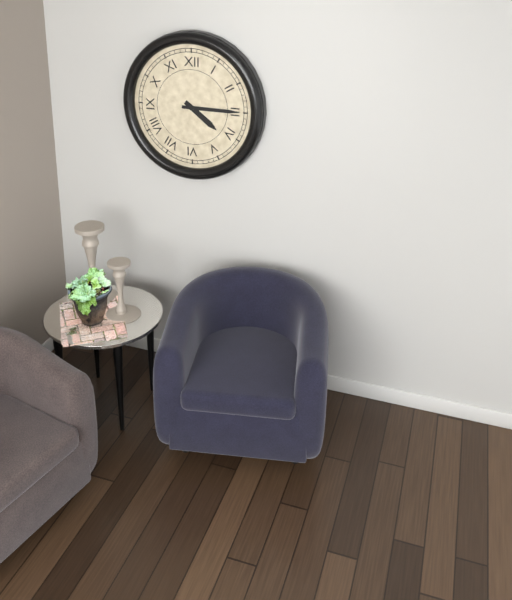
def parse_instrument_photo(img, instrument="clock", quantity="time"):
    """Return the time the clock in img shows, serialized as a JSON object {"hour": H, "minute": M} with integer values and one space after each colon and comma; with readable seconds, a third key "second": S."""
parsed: {"hour": 4, "minute": 15}
